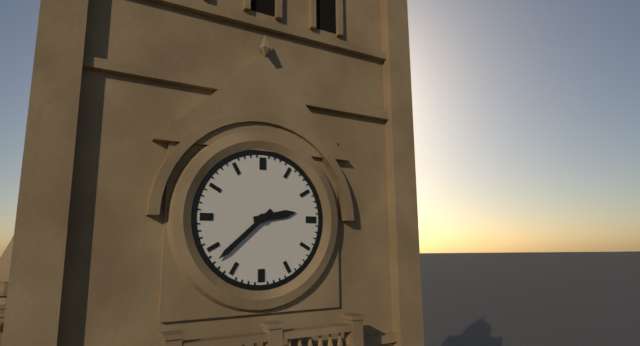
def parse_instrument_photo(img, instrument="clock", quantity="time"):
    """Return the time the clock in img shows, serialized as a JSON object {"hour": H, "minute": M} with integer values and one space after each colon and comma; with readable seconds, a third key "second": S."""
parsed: {"hour": 2, "minute": 38}
